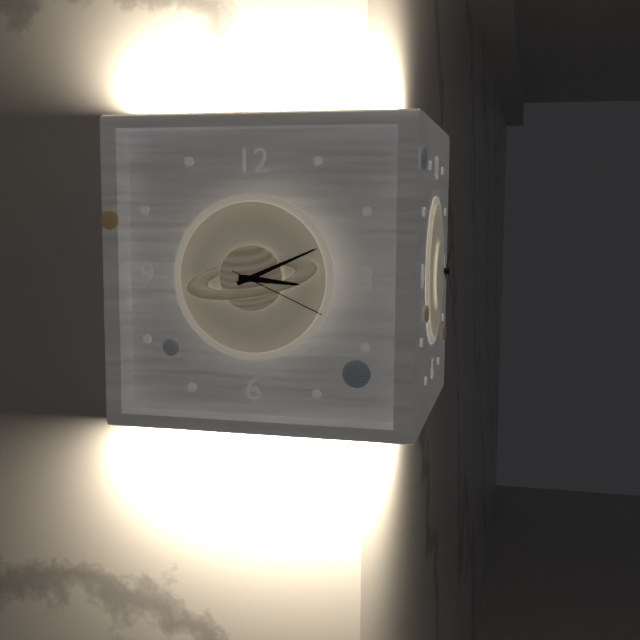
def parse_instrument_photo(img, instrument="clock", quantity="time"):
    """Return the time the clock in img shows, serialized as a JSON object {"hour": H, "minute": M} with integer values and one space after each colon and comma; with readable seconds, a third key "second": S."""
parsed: {"hour": 3, "minute": 11, "second": 19}
